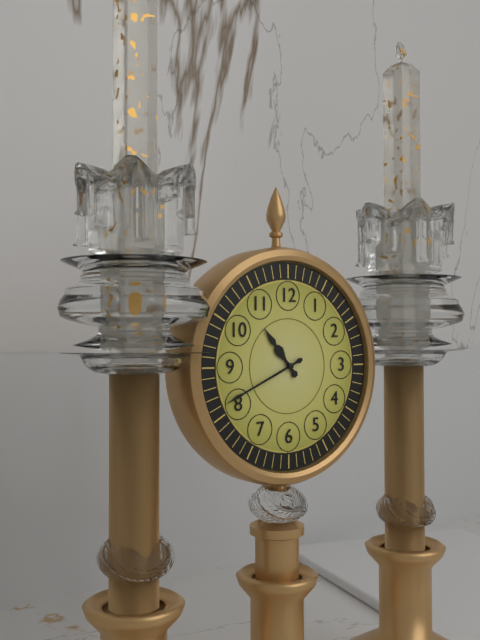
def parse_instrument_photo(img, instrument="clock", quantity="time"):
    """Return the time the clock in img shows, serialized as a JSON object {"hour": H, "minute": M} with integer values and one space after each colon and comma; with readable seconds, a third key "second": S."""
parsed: {"hour": 10, "minute": 41}
